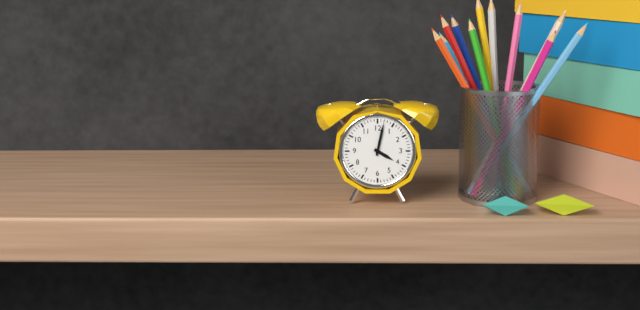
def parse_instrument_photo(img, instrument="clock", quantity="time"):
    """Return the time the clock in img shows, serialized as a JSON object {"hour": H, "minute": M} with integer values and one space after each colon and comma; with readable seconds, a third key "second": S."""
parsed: {"hour": 4, "minute": 2}
